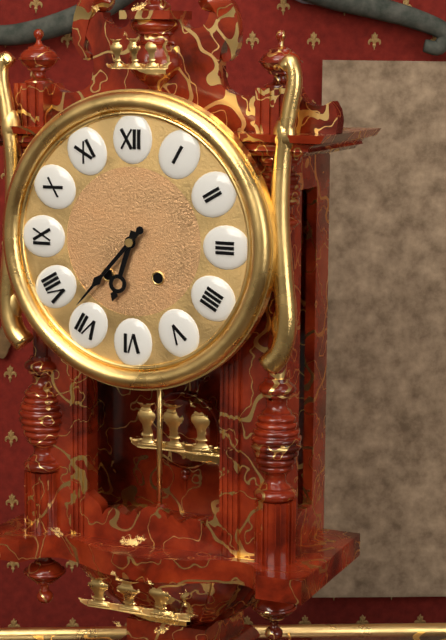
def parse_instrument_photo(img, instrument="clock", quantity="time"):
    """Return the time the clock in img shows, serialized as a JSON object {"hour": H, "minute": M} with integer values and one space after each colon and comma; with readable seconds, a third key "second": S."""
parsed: {"hour": 6, "minute": 37}
